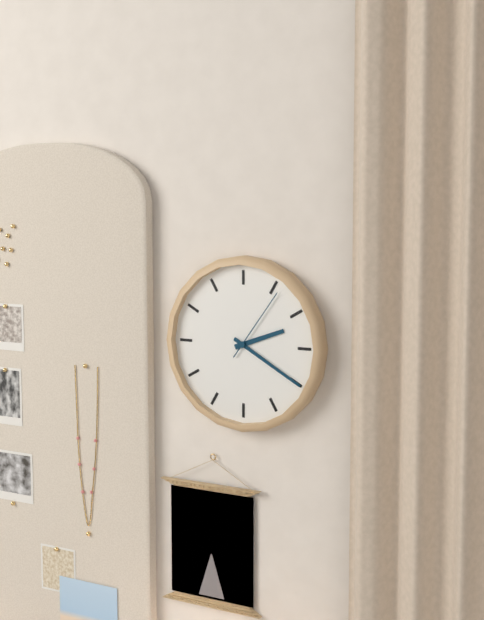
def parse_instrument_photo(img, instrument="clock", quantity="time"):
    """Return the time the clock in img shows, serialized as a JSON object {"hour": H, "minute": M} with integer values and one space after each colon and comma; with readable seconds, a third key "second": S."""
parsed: {"hour": 2, "minute": 20, "second": 6}
